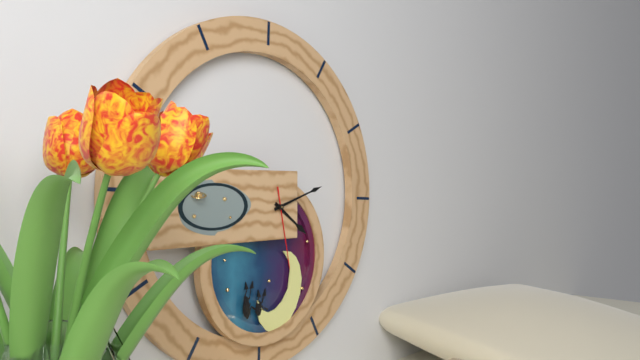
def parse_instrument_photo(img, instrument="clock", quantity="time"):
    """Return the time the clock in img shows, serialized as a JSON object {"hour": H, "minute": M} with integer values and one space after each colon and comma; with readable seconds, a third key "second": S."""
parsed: {"hour": 4, "minute": 12, "second": 28}
